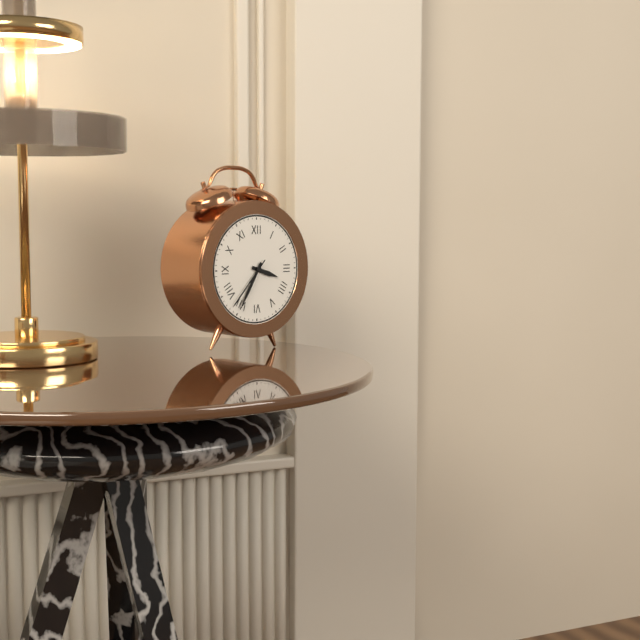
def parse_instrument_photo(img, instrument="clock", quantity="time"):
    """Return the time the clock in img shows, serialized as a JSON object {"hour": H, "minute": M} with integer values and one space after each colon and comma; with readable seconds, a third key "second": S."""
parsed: {"hour": 3, "minute": 35, "second": 37}
